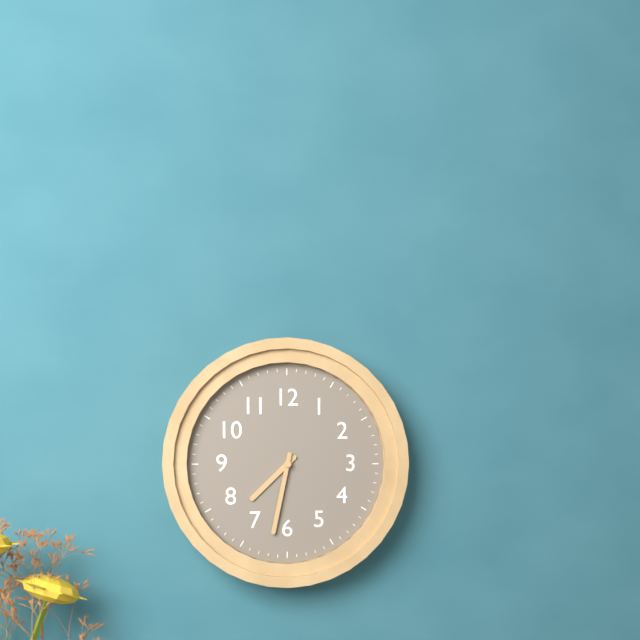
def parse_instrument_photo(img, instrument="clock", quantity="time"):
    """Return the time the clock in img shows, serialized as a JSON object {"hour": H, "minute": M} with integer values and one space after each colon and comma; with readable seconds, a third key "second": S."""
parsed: {"hour": 7, "minute": 32}
